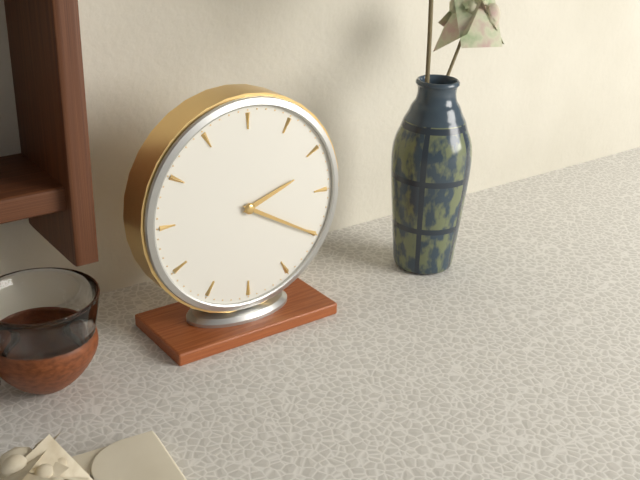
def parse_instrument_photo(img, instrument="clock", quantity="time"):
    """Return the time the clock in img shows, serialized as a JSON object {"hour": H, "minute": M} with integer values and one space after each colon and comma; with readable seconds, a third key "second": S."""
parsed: {"hour": 2, "minute": 20}
